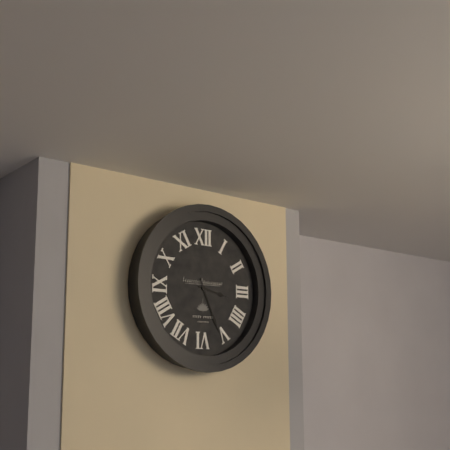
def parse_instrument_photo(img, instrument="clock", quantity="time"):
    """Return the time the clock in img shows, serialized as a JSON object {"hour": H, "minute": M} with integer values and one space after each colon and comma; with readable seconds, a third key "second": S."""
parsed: {"hour": 3, "minute": 26}
